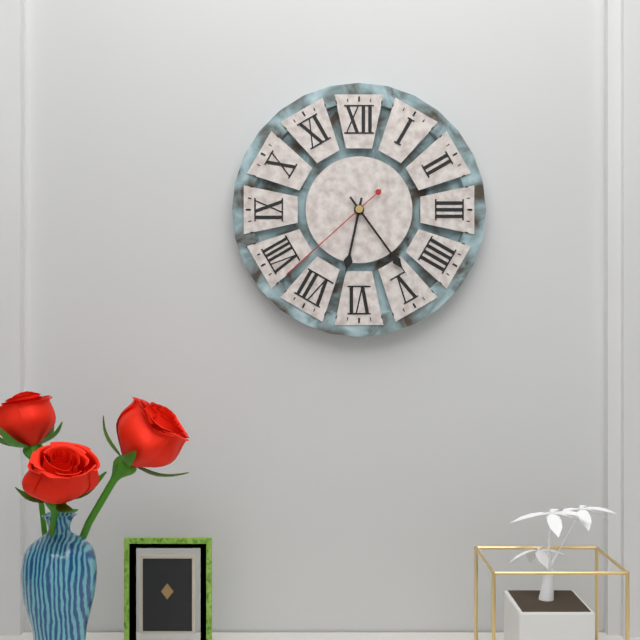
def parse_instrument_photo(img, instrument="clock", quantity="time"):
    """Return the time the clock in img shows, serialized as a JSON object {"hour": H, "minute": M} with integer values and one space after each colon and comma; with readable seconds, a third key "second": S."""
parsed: {"hour": 6, "minute": 24, "second": 38}
